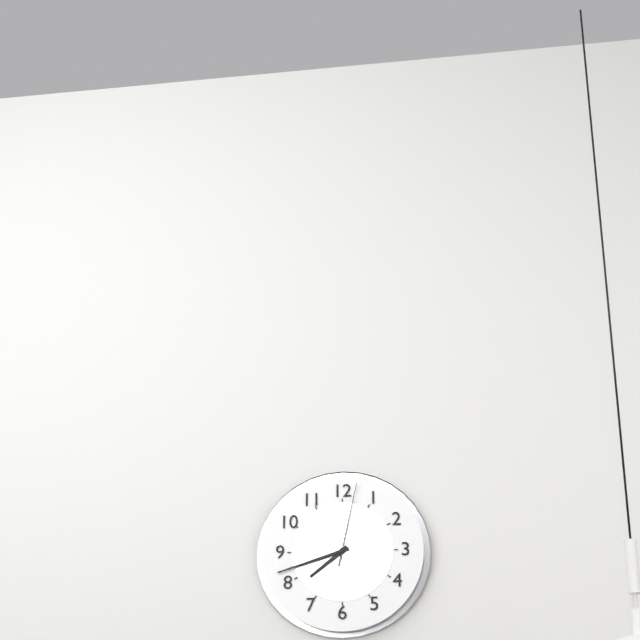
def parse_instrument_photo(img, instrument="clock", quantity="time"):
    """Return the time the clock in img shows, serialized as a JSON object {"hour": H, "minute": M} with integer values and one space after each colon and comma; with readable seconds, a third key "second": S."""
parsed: {"hour": 7, "minute": 42, "second": 2}
